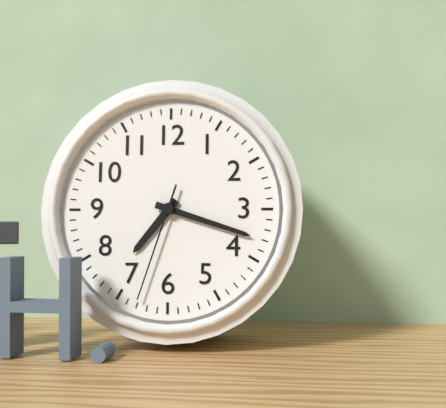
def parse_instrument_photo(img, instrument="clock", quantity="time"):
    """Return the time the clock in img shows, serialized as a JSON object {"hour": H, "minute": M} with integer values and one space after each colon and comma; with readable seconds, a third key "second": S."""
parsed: {"hour": 7, "minute": 18, "second": 33}
